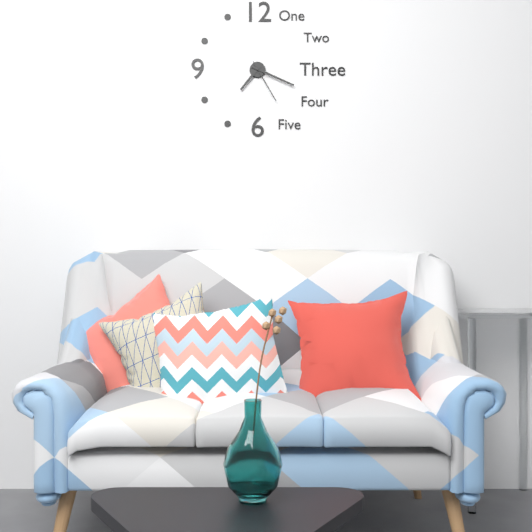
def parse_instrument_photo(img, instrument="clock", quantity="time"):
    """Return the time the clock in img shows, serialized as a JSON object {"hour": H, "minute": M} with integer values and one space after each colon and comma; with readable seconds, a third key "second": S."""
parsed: {"hour": 7, "minute": 19}
